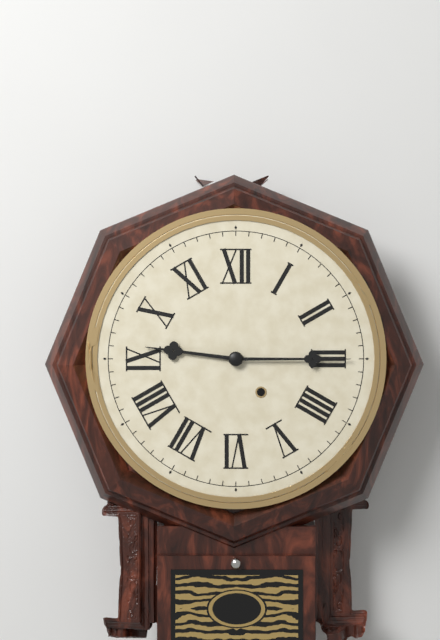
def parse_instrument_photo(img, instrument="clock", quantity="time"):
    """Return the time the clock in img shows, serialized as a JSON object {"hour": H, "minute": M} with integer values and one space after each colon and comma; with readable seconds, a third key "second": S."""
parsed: {"hour": 9, "minute": 15}
